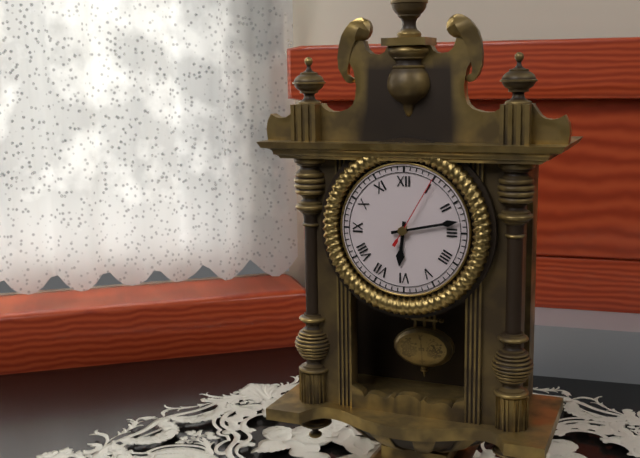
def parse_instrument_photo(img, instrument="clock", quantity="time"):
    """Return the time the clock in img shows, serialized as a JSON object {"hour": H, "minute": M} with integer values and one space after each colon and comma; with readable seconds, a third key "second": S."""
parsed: {"hour": 6, "minute": 13, "second": 5}
